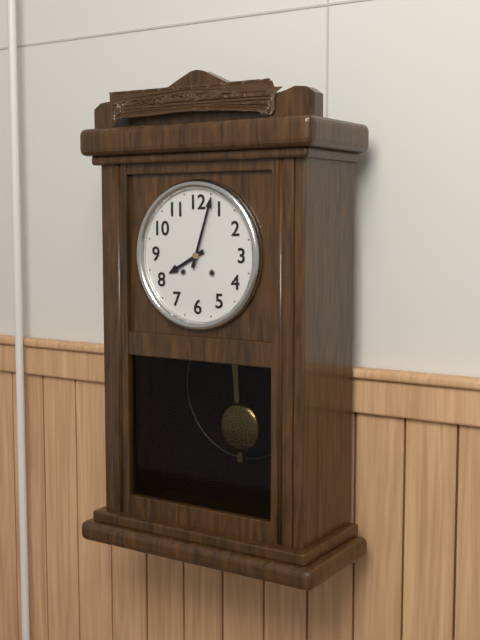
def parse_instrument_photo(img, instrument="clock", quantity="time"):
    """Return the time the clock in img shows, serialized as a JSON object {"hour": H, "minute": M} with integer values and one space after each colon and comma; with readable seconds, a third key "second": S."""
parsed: {"hour": 8, "minute": 3}
